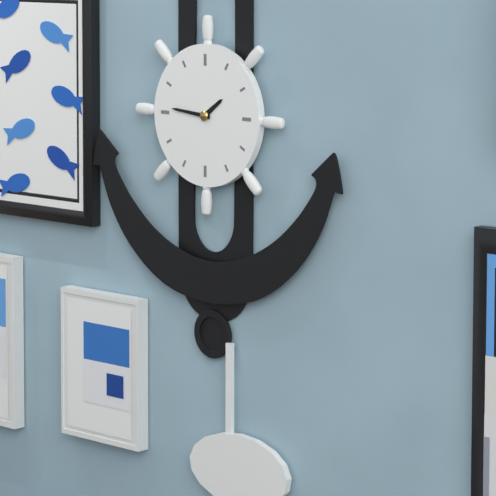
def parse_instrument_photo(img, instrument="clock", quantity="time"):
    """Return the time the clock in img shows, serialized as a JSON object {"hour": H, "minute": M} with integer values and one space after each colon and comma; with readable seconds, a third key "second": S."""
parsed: {"hour": 1, "minute": 46}
